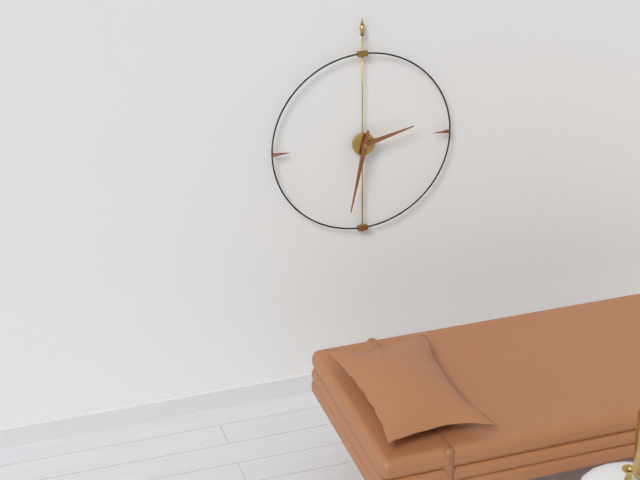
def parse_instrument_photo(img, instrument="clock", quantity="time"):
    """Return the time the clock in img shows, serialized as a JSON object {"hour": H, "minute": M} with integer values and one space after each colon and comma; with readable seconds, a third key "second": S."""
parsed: {"hour": 2, "minute": 32}
